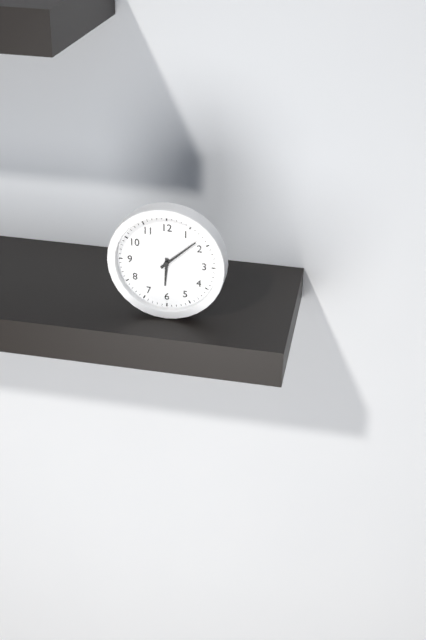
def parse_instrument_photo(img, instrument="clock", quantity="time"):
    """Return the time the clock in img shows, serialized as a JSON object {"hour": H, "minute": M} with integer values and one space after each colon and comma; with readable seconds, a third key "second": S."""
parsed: {"hour": 6, "minute": 8}
